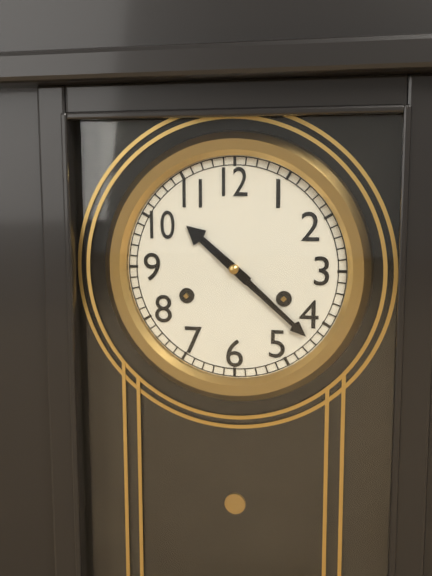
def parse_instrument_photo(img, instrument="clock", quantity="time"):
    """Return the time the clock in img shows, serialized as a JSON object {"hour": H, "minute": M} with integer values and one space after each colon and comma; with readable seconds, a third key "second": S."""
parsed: {"hour": 10, "minute": 22}
